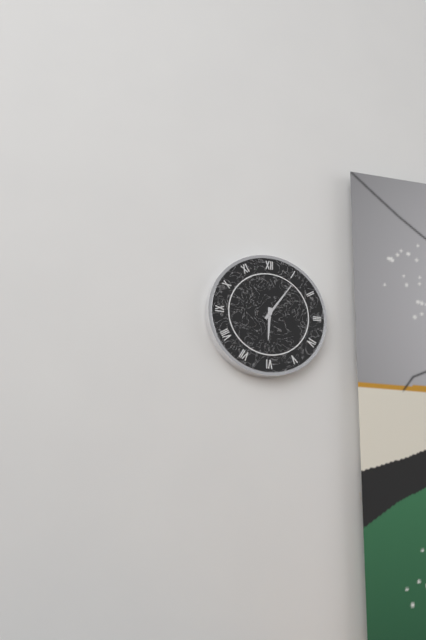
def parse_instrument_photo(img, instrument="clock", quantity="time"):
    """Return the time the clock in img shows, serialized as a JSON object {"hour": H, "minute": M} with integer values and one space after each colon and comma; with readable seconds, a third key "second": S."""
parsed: {"hour": 6, "minute": 6}
